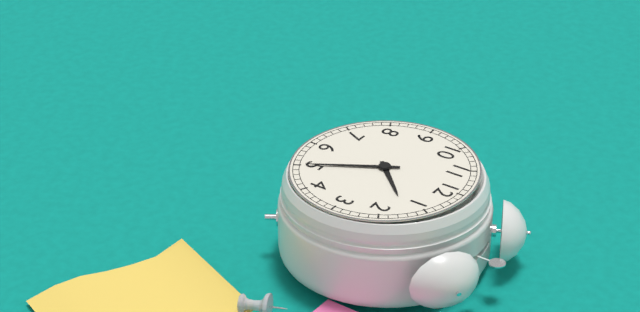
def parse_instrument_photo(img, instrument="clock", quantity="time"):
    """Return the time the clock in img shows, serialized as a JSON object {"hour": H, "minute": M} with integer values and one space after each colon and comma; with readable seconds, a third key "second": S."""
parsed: {"hour": 1, "minute": 25}
